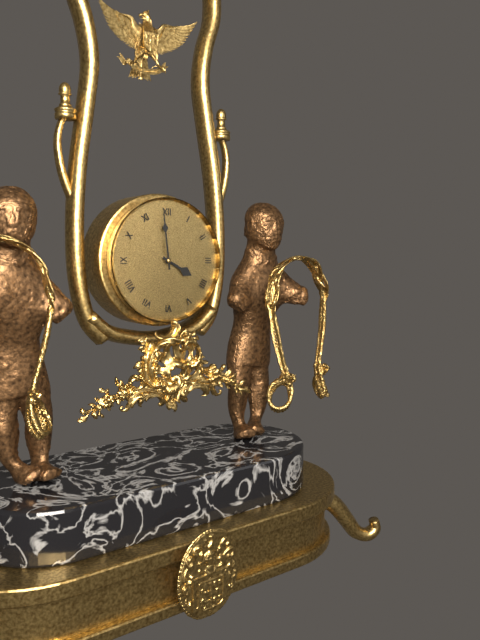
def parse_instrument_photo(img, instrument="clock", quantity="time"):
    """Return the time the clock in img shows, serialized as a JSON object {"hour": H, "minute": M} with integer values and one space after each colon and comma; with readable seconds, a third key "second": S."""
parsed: {"hour": 3, "minute": 59}
